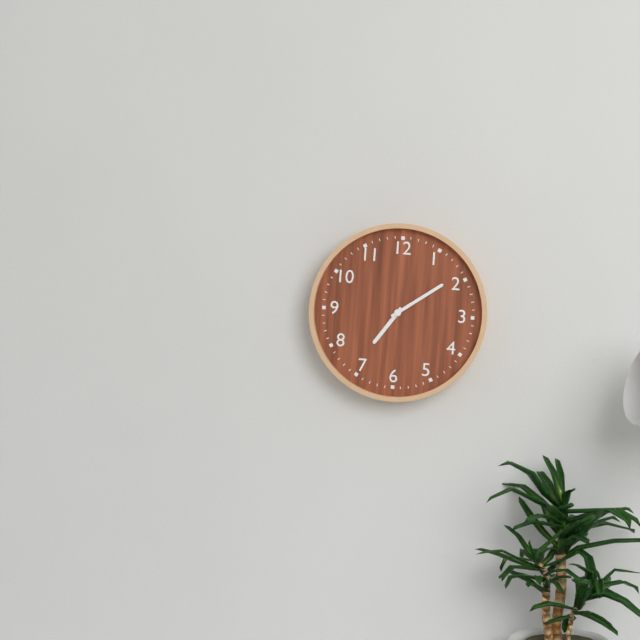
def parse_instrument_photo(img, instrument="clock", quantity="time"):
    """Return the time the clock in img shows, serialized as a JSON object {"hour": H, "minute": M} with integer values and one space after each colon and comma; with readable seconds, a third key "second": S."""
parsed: {"hour": 7, "minute": 9}
